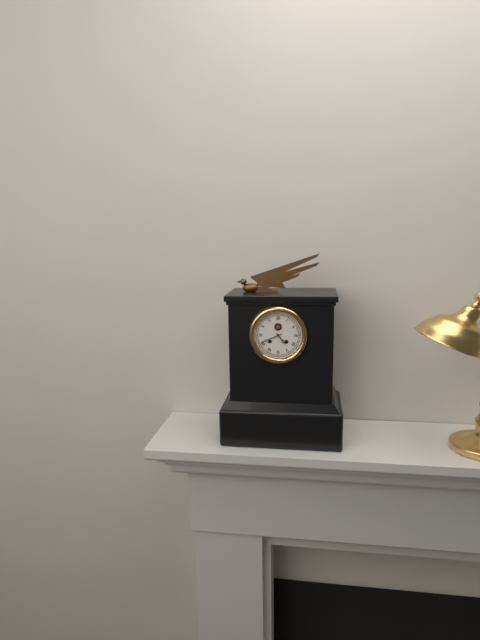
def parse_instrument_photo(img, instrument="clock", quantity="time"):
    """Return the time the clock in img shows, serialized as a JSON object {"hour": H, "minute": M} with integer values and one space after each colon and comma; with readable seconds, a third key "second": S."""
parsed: {"hour": 4, "minute": 41}
